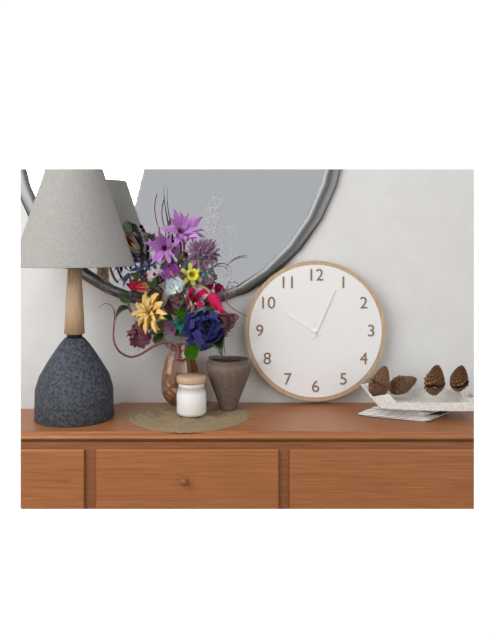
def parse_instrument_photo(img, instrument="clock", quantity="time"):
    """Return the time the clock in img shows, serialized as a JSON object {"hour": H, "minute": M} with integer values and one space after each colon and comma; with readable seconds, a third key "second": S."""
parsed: {"hour": 10, "minute": 4}
